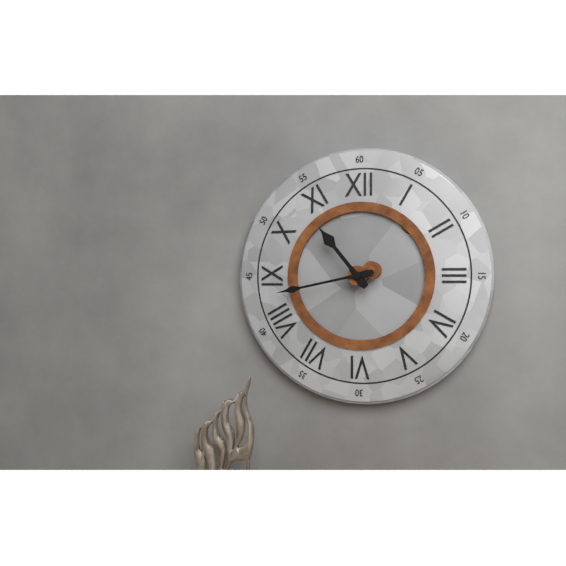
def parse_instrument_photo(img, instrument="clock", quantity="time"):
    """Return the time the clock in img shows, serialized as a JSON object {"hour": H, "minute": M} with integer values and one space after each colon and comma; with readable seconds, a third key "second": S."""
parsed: {"hour": 10, "minute": 43}
